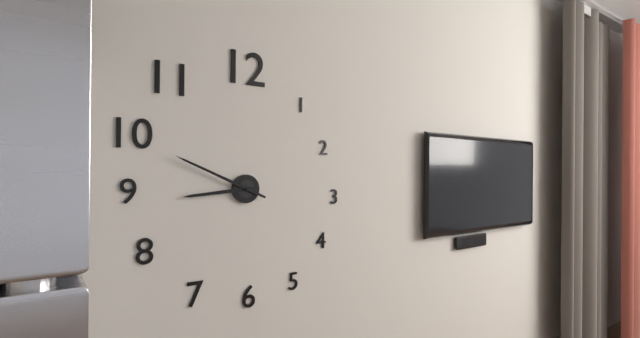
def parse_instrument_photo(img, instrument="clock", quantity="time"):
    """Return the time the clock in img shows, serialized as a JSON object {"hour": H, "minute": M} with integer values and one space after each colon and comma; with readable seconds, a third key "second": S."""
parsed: {"hour": 8, "minute": 49}
